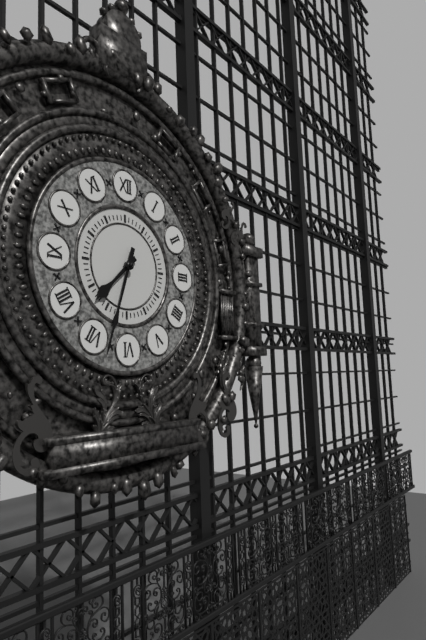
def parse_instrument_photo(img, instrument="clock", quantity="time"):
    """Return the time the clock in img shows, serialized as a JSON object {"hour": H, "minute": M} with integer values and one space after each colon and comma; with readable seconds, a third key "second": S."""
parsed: {"hour": 7, "minute": 33}
